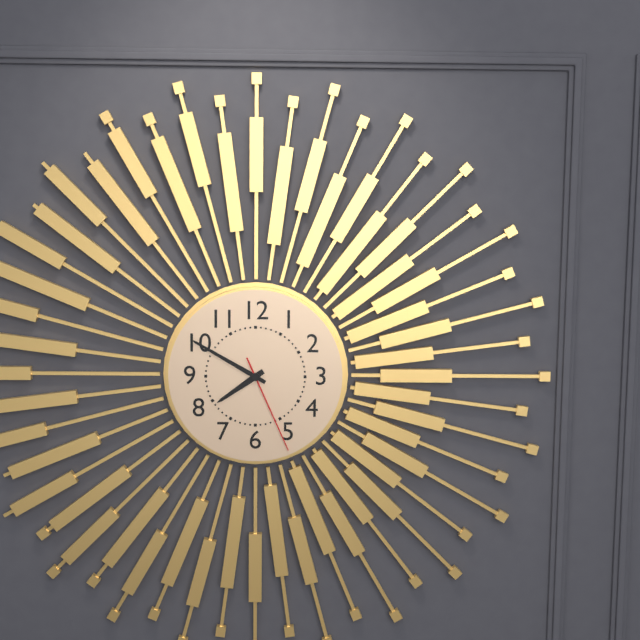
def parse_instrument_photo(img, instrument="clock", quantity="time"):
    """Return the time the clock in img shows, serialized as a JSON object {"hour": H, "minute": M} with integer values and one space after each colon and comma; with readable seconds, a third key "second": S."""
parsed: {"hour": 7, "minute": 50, "second": 26}
